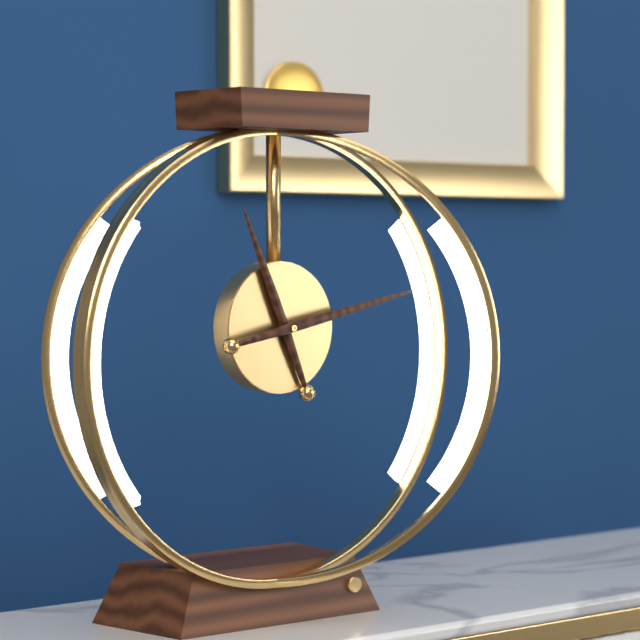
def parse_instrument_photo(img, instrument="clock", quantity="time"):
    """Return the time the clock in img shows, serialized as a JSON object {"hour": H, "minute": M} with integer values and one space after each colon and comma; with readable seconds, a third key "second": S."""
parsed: {"hour": 11, "minute": 13}
